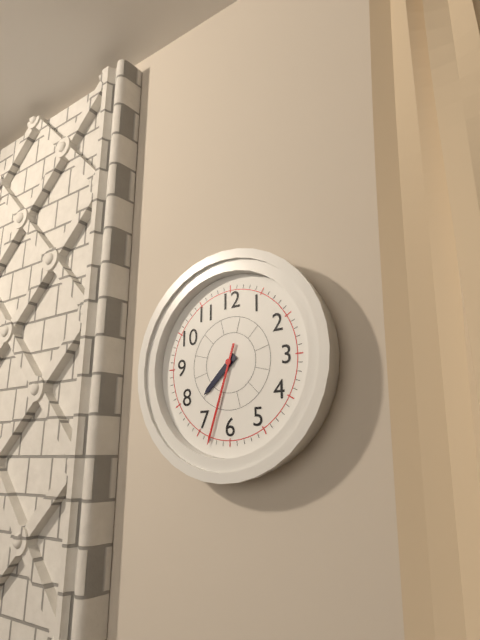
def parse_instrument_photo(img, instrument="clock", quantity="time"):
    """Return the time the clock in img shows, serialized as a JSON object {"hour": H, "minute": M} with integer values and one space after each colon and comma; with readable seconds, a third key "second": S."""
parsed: {"hour": 7, "minute": 33}
